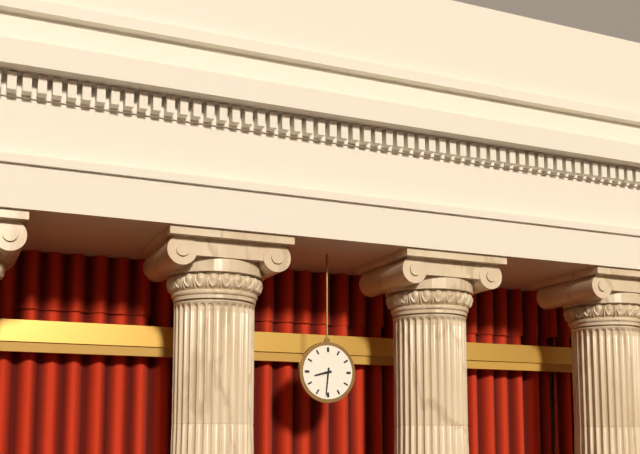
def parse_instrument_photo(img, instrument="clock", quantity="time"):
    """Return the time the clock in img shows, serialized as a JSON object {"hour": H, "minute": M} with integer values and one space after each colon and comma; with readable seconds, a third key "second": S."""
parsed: {"hour": 8, "minute": 31}
